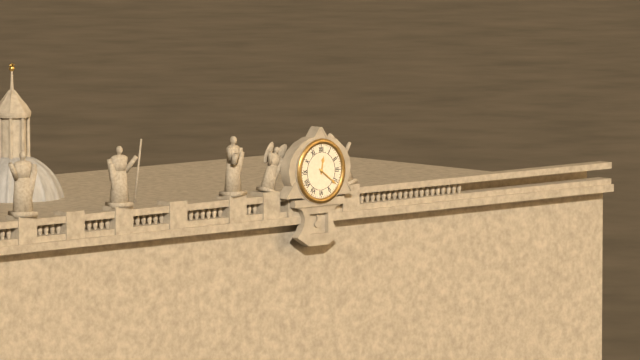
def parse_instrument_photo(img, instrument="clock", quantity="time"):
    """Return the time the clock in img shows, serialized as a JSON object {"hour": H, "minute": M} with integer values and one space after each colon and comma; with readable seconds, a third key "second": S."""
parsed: {"hour": 12, "minute": 21}
